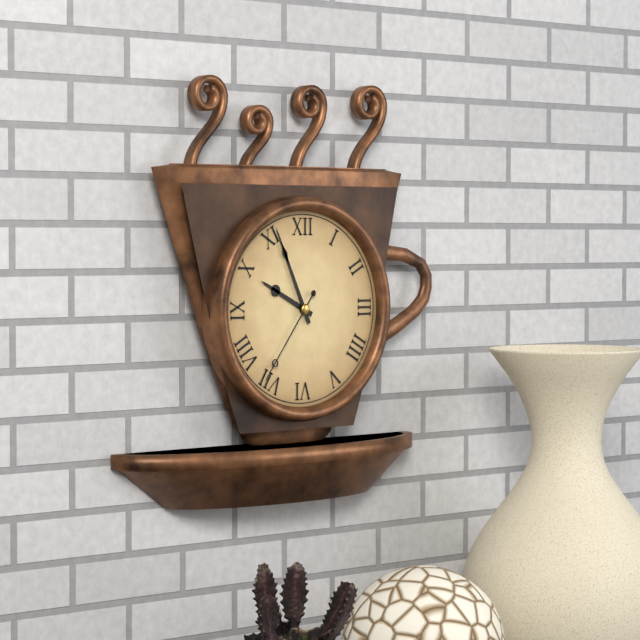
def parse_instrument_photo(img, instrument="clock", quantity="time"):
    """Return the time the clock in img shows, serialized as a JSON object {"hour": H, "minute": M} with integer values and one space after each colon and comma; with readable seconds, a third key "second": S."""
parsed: {"hour": 9, "minute": 56, "second": 36}
